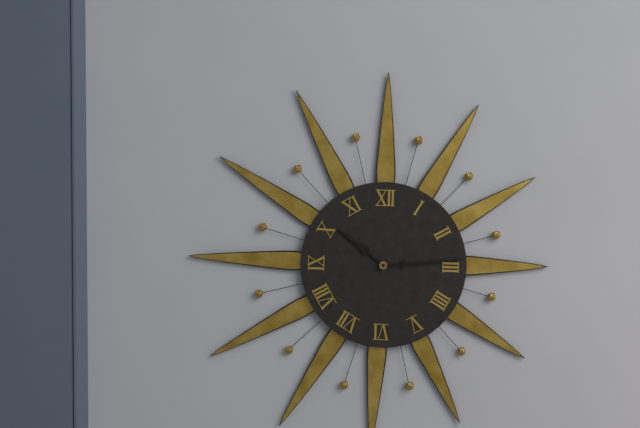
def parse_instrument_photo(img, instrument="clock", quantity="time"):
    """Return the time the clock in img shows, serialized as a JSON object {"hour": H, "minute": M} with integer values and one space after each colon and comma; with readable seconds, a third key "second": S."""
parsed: {"hour": 10, "minute": 14}
